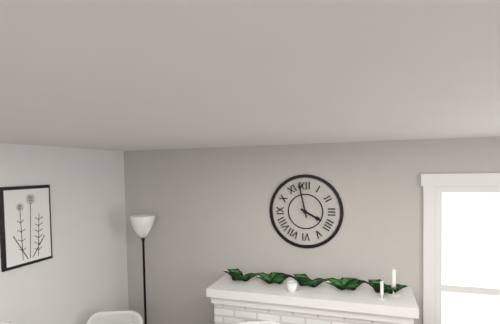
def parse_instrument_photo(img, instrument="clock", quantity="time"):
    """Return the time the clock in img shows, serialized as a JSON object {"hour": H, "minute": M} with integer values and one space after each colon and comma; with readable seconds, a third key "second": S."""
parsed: {"hour": 3, "minute": 58}
